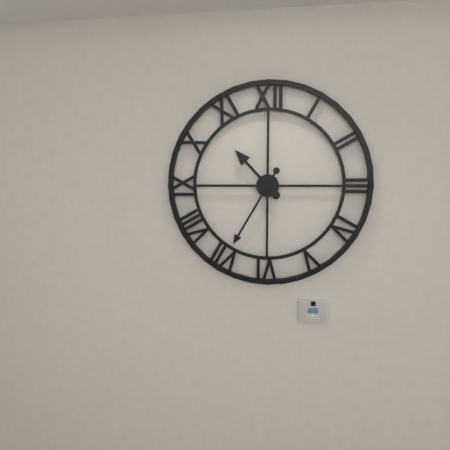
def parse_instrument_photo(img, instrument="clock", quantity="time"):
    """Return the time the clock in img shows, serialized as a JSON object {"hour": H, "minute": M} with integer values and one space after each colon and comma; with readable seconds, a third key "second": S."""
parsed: {"hour": 10, "minute": 35}
